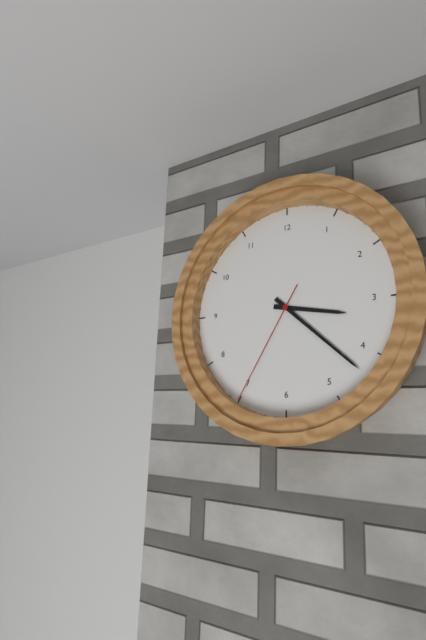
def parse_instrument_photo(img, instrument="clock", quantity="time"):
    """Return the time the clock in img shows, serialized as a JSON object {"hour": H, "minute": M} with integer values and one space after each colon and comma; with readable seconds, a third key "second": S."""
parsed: {"hour": 3, "minute": 22, "second": 35}
